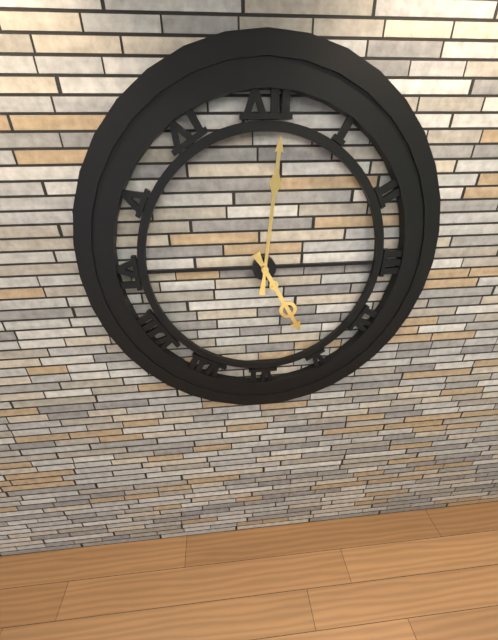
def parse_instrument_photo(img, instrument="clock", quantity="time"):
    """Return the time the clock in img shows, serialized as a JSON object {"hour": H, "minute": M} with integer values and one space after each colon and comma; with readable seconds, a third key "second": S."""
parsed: {"hour": 5, "minute": 1}
